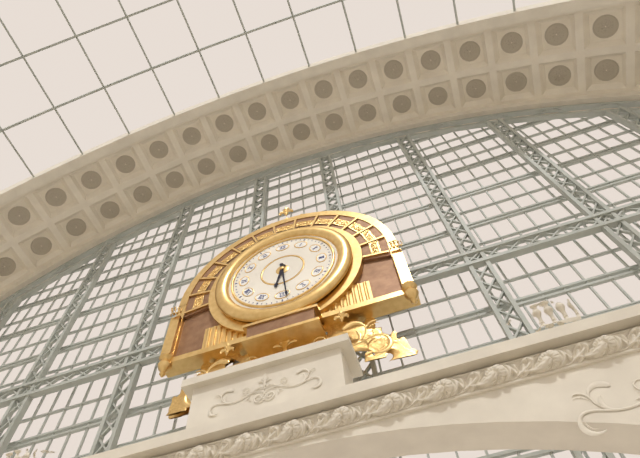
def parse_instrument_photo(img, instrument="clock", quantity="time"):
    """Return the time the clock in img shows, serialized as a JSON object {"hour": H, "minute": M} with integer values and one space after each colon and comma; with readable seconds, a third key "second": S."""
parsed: {"hour": 6, "minute": 29}
